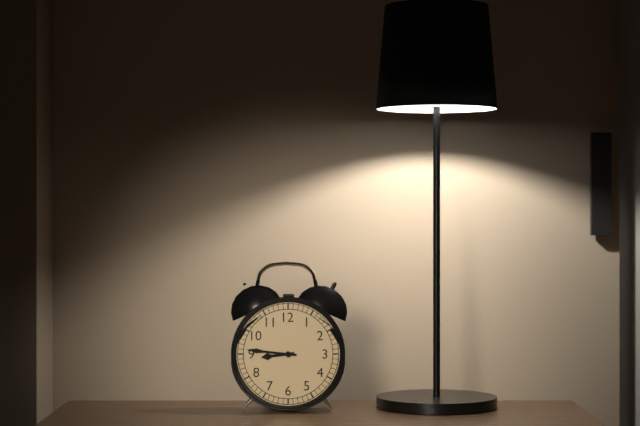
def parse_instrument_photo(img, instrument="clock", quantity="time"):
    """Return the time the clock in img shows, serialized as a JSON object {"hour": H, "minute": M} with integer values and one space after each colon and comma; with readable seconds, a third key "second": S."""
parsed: {"hour": 8, "minute": 46}
